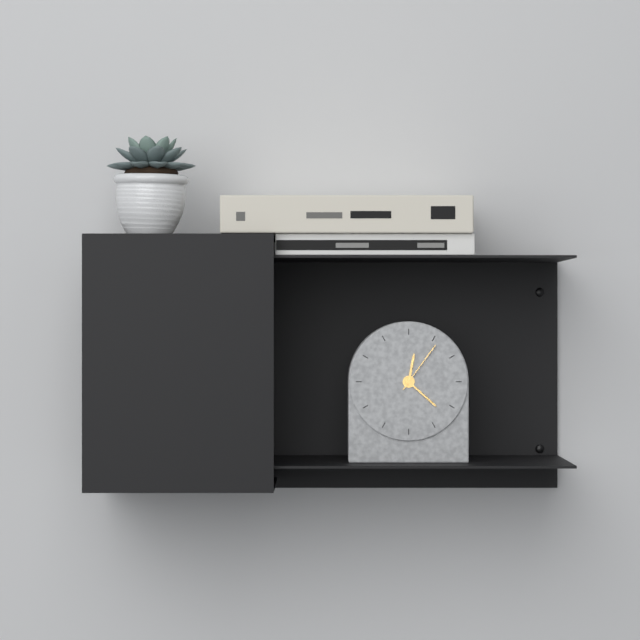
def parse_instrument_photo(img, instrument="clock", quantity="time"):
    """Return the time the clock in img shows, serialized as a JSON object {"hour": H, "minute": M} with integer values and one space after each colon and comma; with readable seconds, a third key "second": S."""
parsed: {"hour": 12, "minute": 22, "second": 6}
